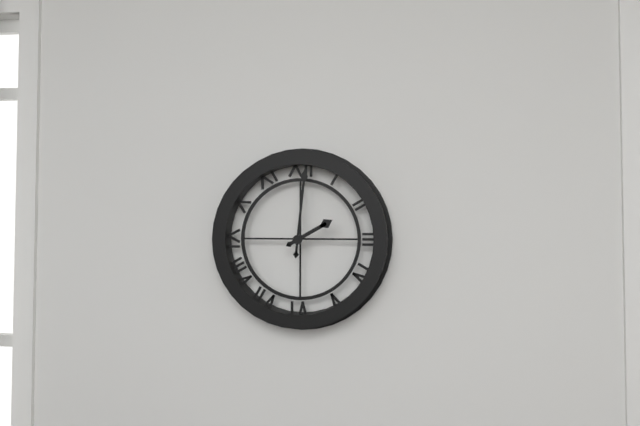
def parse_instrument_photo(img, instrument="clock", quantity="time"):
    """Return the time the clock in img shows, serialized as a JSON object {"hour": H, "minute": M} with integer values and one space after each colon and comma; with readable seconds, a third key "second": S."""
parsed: {"hour": 2, "minute": 1}
